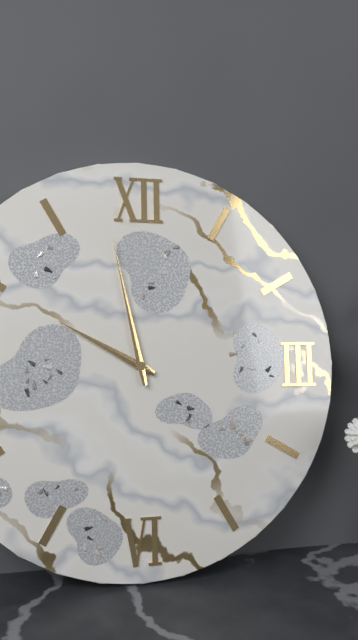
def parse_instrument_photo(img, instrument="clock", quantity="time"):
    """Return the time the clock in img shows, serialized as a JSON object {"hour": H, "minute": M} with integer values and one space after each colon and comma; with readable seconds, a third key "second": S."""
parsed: {"hour": 9, "minute": 58}
